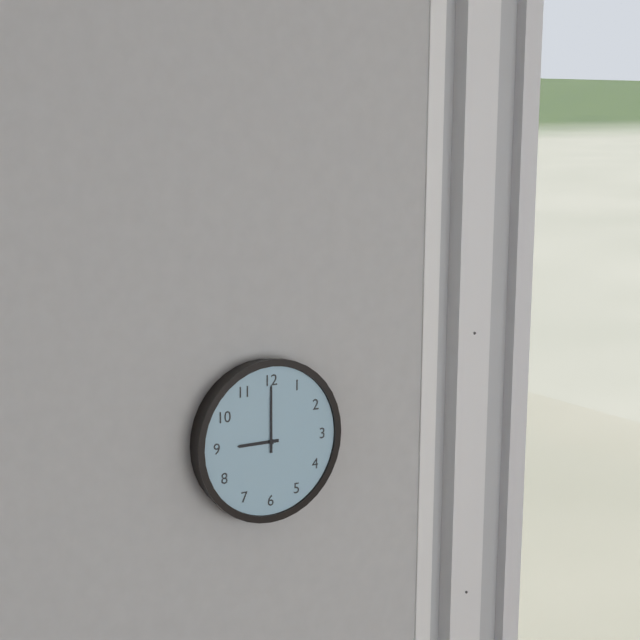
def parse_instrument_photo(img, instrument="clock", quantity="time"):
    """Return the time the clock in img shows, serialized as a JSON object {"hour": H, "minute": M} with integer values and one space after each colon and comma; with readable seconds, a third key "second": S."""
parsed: {"hour": 9, "minute": 0}
